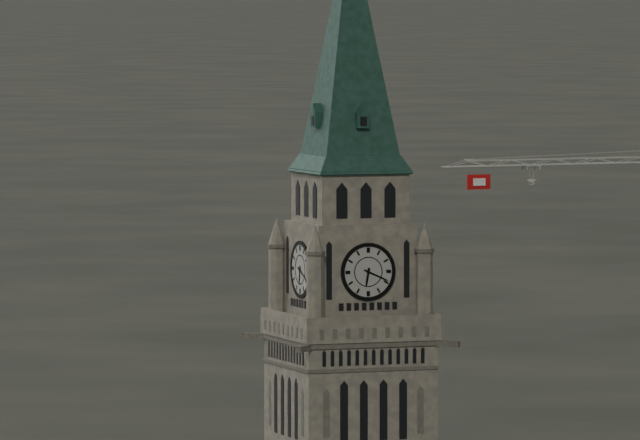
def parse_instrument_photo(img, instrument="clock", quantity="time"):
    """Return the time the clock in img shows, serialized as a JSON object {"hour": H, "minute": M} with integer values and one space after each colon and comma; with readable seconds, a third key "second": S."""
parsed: {"hour": 6, "minute": 19}
